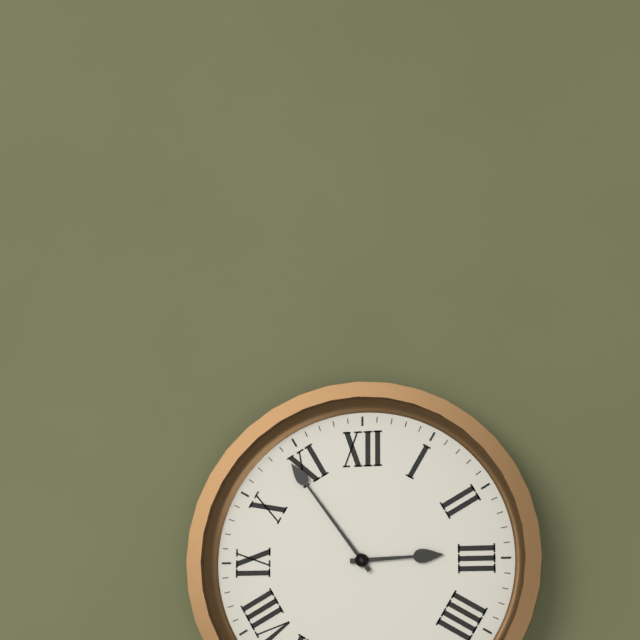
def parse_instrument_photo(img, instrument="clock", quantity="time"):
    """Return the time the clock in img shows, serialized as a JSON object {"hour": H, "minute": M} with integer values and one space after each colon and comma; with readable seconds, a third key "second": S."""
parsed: {"hour": 2, "minute": 54}
